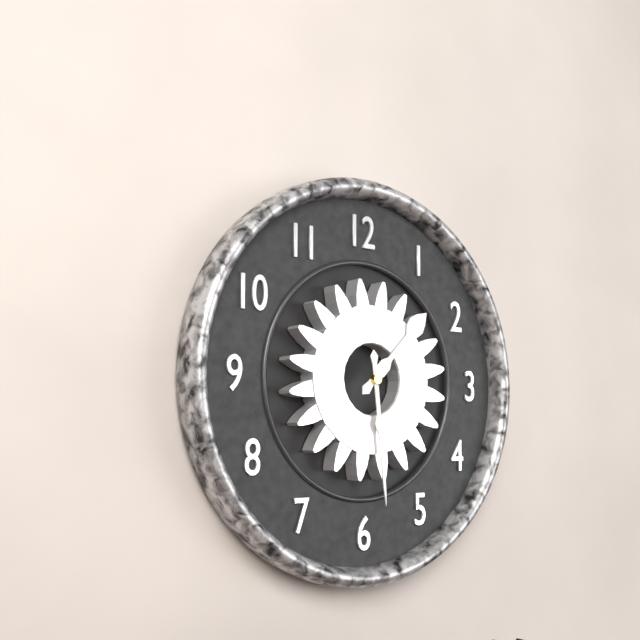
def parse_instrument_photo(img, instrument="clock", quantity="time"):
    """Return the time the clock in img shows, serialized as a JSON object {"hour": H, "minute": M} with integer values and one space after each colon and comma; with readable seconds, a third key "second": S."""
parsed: {"hour": 1, "minute": 29}
